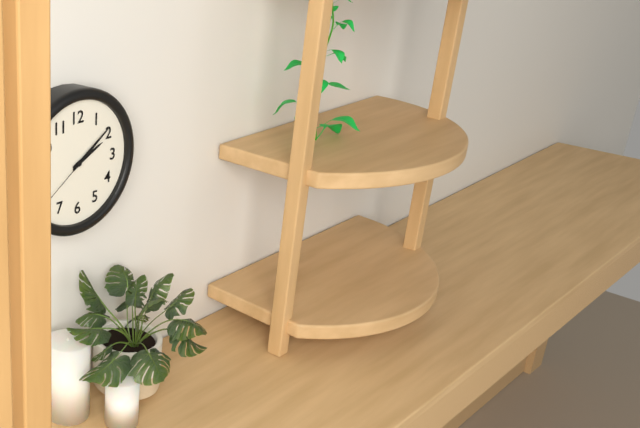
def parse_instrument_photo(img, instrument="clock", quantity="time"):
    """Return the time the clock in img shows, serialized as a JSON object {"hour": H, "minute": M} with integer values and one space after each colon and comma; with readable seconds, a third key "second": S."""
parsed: {"hour": 2, "minute": 9, "second": 39}
